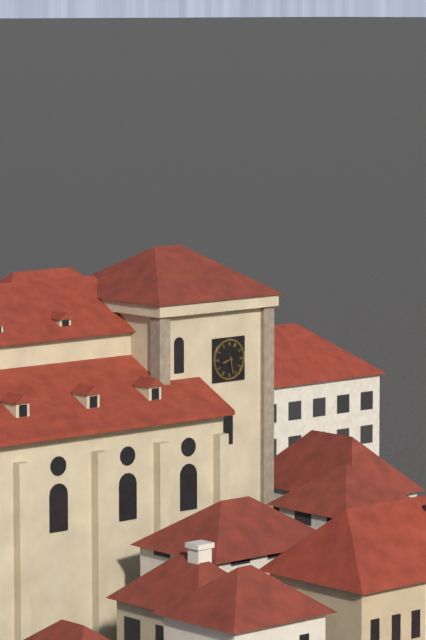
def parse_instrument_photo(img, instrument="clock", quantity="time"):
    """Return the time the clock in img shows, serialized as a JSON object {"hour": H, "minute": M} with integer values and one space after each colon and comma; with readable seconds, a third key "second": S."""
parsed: {"hour": 8, "minute": 28}
